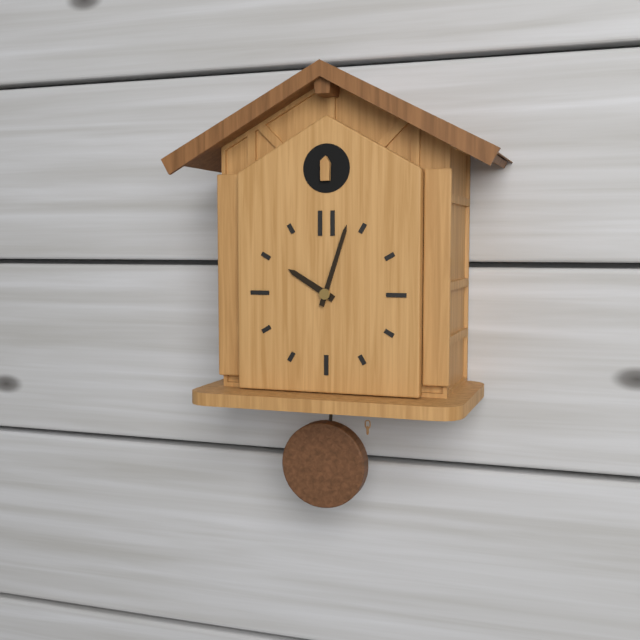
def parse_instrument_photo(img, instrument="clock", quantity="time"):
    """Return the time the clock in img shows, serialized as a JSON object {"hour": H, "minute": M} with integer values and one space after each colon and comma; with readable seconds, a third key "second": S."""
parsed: {"hour": 10, "minute": 3}
